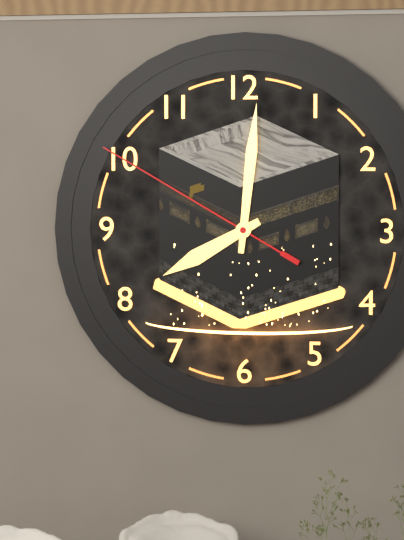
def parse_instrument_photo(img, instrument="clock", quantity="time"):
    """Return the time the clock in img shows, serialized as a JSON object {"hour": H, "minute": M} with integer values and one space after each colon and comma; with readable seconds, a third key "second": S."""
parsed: {"hour": 8, "minute": 1, "second": 50}
